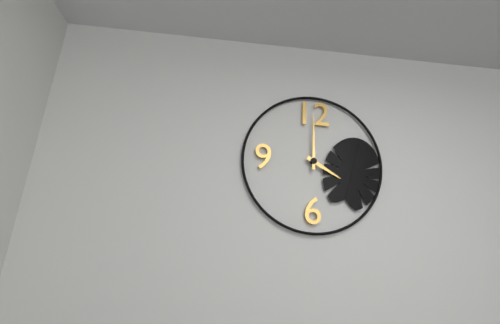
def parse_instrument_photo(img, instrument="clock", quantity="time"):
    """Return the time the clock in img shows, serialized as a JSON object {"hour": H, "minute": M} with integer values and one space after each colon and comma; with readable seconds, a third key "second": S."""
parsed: {"hour": 4, "minute": 0}
